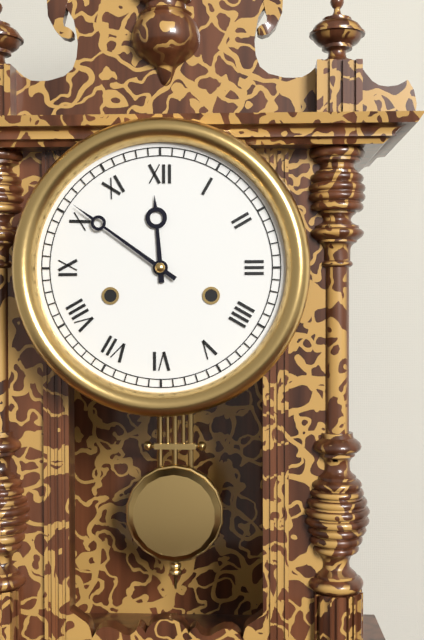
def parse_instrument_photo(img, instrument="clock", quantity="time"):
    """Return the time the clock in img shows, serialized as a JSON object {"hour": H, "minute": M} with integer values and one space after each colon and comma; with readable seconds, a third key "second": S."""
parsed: {"hour": 11, "minute": 51}
